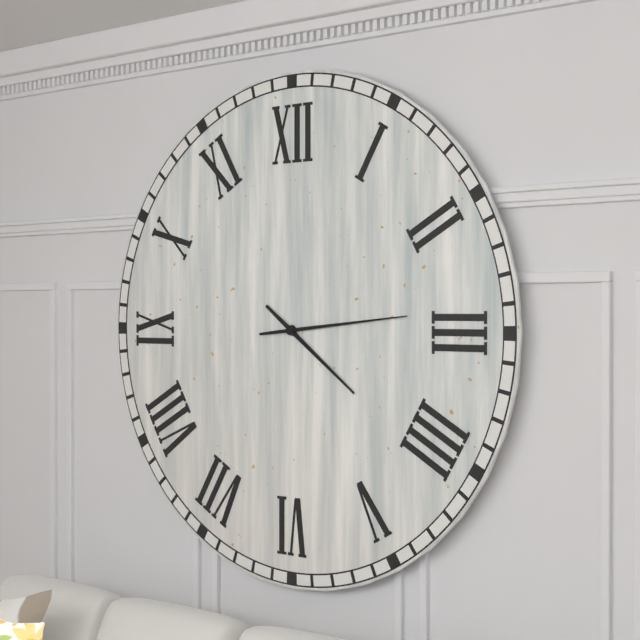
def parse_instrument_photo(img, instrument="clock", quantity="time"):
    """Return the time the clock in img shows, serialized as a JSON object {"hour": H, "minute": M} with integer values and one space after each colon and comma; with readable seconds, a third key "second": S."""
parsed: {"hour": 4, "minute": 14}
